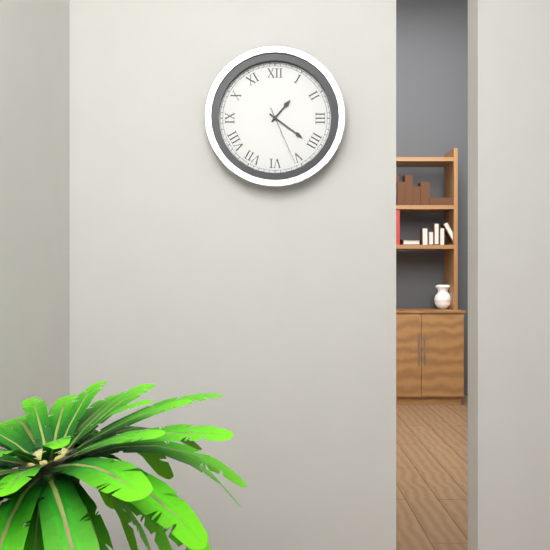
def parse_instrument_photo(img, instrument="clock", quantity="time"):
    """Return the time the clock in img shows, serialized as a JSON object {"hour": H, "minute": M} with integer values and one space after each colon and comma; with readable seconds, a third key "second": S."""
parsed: {"hour": 1, "minute": 21, "second": 26}
